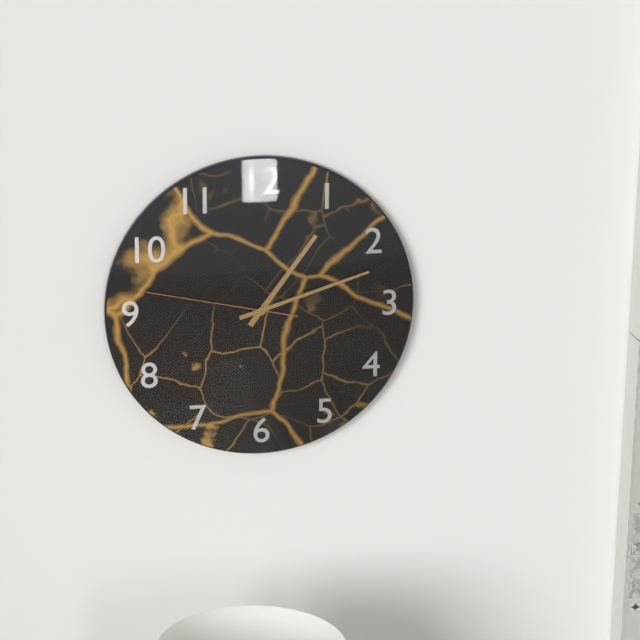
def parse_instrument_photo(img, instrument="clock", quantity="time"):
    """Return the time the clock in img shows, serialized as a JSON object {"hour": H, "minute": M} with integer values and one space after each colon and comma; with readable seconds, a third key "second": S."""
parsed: {"hour": 1, "minute": 12, "second": 47}
